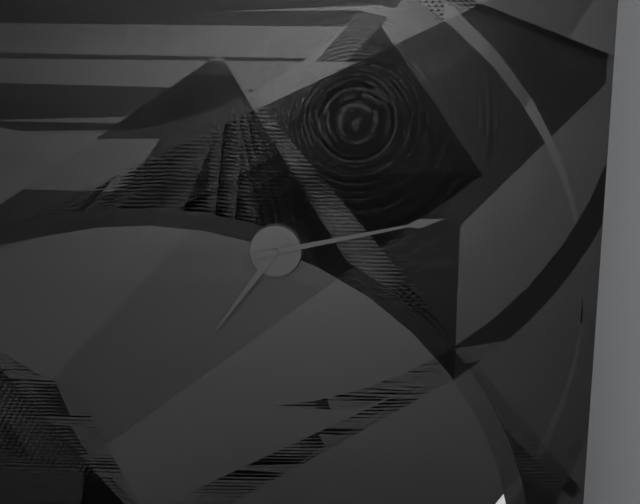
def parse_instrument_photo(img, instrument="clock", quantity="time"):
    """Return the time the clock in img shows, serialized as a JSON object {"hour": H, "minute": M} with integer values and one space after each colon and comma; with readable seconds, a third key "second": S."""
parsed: {"hour": 7, "minute": 13}
